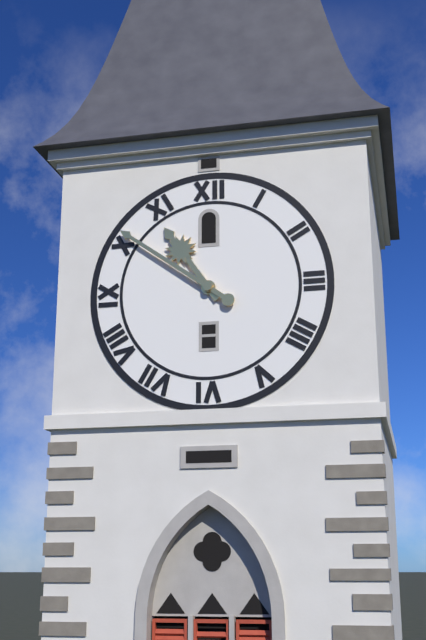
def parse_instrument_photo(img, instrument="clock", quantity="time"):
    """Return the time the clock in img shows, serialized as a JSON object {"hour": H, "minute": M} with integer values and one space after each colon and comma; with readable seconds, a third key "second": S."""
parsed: {"hour": 10, "minute": 51}
